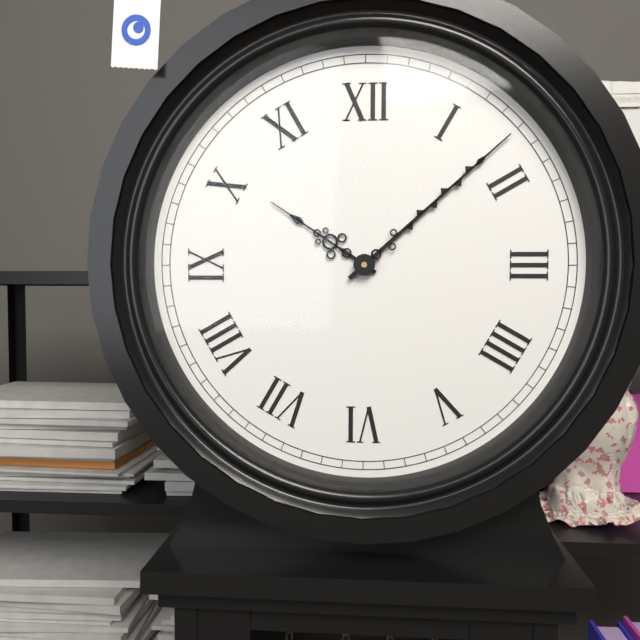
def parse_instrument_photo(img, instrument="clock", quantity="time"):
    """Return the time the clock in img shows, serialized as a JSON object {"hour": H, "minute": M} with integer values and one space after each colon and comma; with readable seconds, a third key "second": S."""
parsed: {"hour": 10, "minute": 8}
